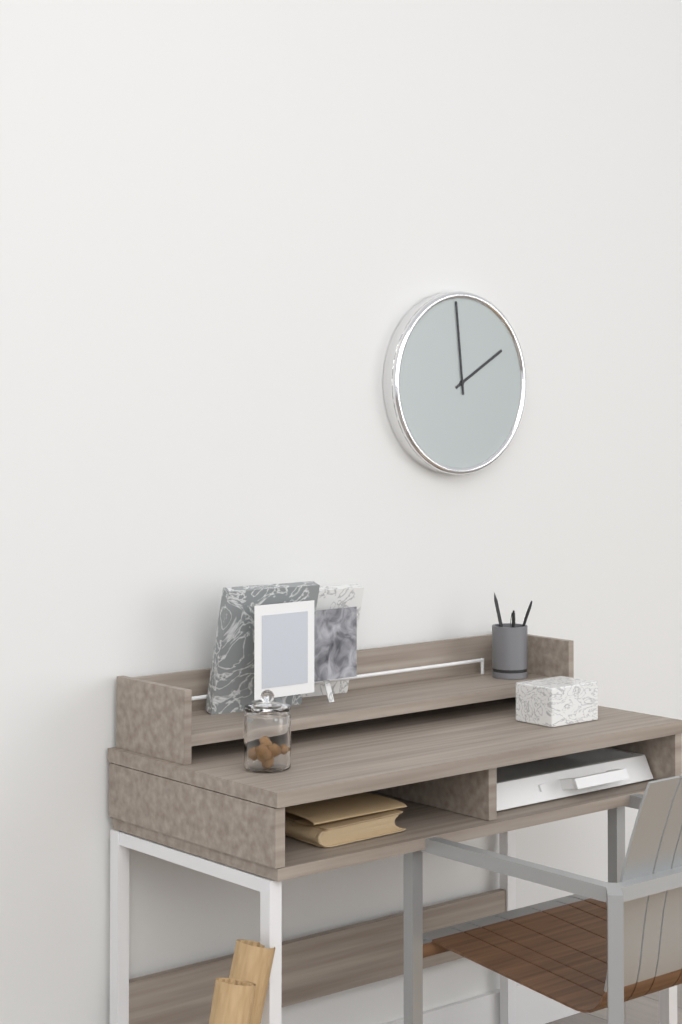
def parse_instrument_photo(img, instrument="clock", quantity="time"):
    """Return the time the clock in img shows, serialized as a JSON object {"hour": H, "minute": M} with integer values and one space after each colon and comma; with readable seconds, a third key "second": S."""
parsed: {"hour": 1, "minute": 59}
